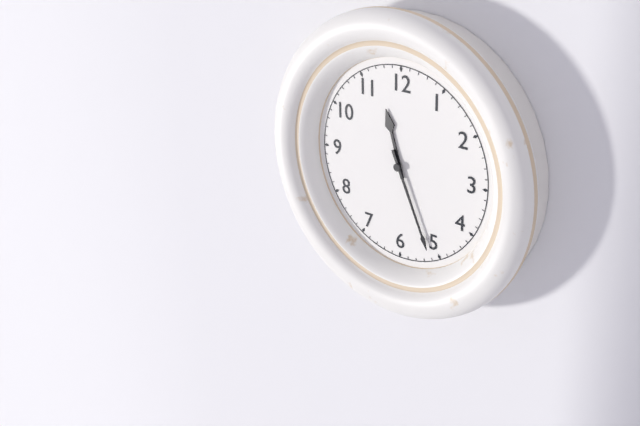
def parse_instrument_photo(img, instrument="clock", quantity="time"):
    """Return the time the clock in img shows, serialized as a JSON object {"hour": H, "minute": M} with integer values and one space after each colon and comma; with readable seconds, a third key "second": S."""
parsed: {"hour": 11, "minute": 26}
